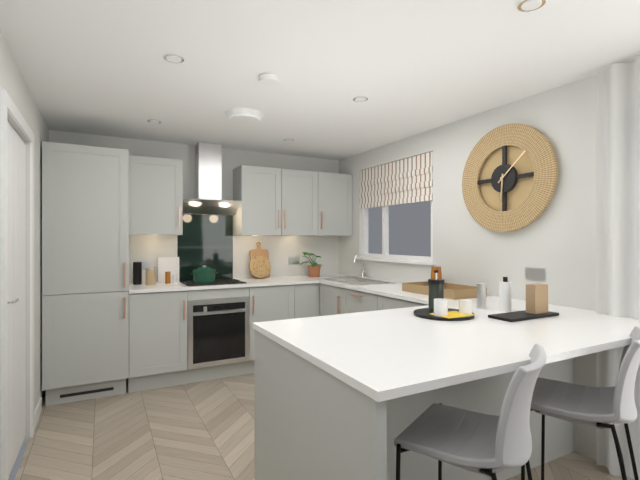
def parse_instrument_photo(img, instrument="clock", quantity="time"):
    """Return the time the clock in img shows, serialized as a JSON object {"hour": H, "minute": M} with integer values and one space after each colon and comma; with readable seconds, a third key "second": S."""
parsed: {"hour": 6, "minute": 8}
